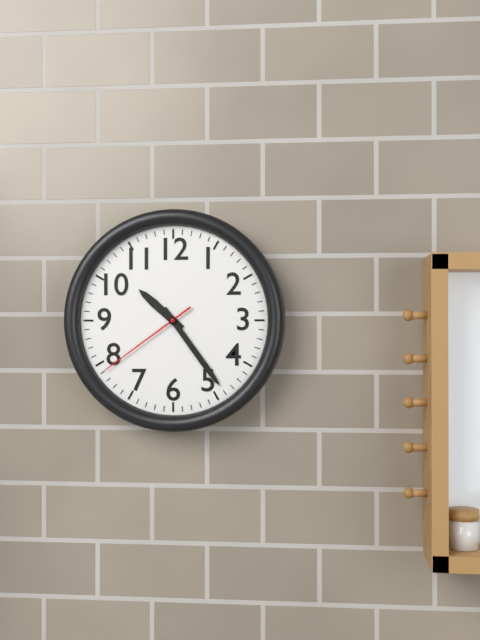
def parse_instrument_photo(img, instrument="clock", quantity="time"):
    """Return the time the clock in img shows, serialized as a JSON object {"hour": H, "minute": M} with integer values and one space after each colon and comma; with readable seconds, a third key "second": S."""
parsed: {"hour": 10, "minute": 24, "second": 39}
